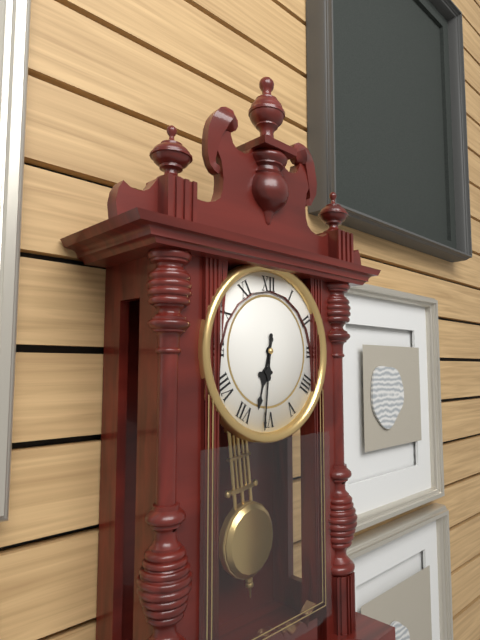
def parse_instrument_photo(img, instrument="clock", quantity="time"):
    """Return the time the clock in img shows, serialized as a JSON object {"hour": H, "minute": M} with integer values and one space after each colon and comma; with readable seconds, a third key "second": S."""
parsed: {"hour": 6, "minute": 31}
